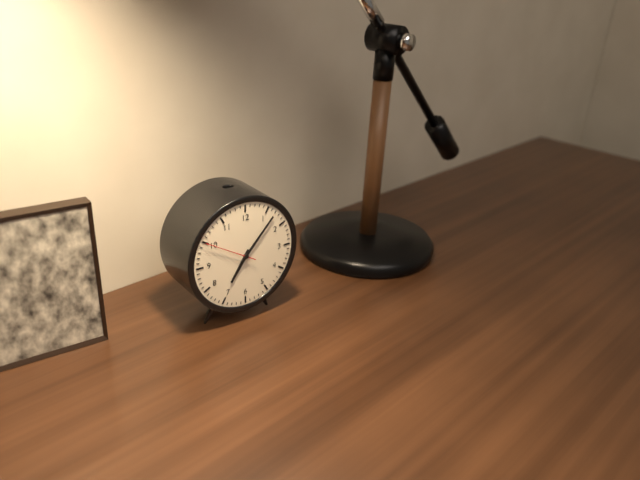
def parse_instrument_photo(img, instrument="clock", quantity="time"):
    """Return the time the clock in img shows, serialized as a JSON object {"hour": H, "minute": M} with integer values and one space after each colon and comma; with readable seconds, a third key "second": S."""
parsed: {"hour": 7, "minute": 7, "second": 50}
